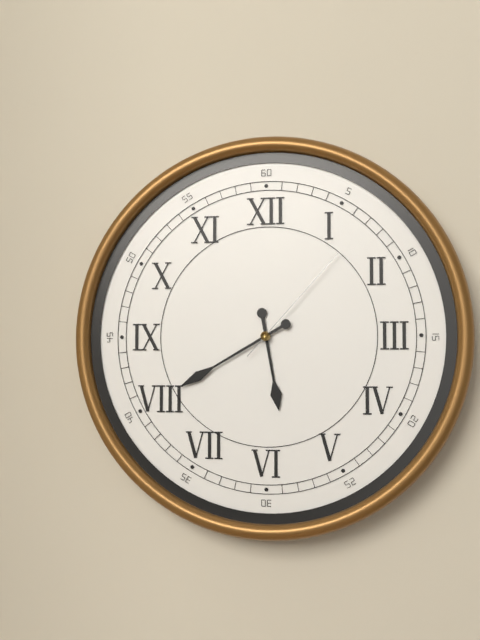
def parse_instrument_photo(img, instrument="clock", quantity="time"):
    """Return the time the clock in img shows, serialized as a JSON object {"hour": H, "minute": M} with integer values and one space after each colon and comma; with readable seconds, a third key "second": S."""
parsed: {"hour": 5, "minute": 40, "second": 7}
